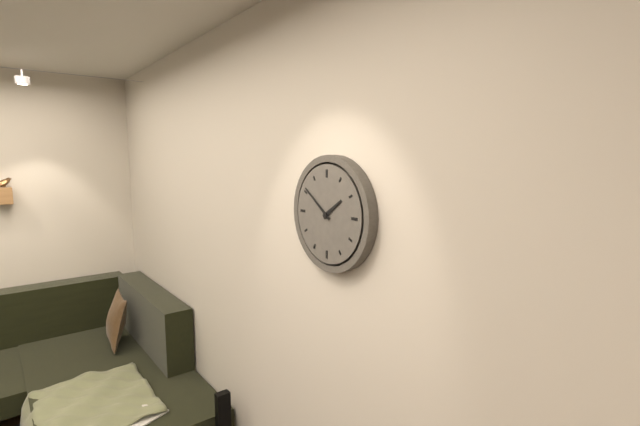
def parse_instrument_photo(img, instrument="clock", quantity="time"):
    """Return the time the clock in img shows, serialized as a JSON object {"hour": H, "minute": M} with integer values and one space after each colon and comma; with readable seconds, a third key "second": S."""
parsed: {"hour": 1, "minute": 51}
